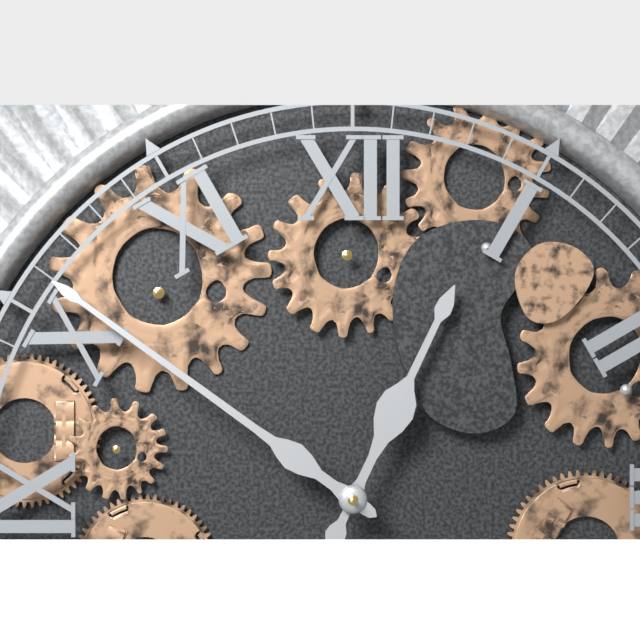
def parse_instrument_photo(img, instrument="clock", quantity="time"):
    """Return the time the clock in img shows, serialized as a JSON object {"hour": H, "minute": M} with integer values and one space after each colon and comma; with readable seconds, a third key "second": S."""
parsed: {"hour": 12, "minute": 51}
